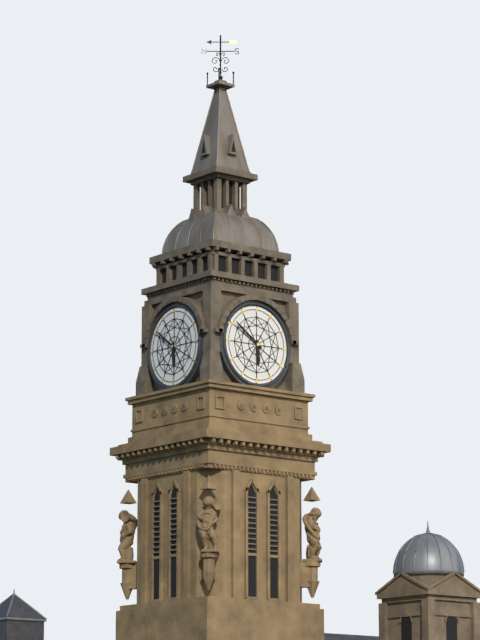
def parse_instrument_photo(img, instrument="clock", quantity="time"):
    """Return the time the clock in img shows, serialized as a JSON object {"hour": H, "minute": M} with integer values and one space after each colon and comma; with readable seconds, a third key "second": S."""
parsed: {"hour": 5, "minute": 51}
